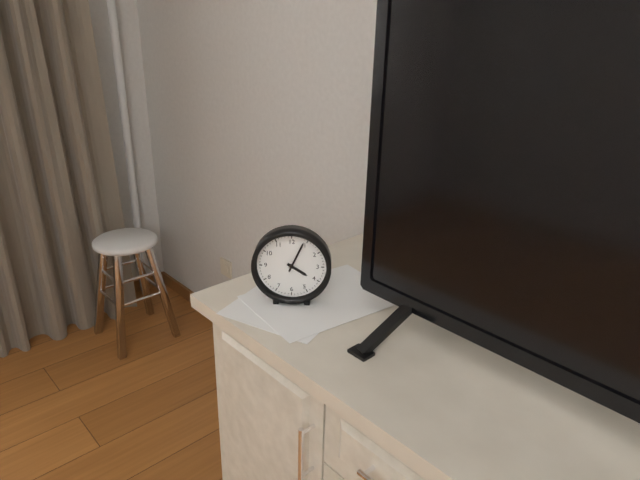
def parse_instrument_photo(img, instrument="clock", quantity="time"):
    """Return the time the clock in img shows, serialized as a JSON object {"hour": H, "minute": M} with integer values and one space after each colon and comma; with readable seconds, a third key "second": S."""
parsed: {"hour": 4, "minute": 4}
